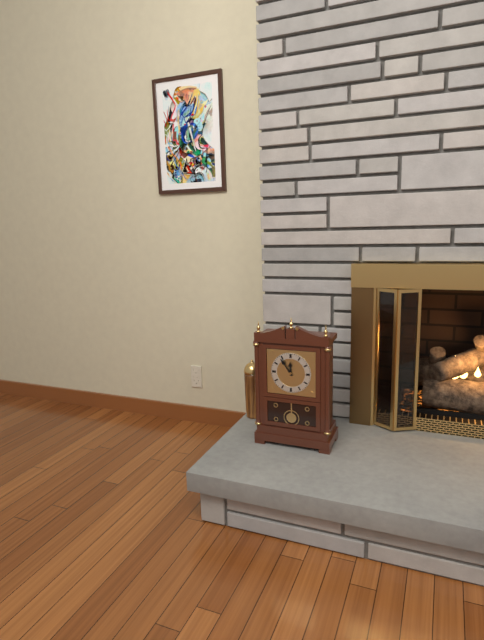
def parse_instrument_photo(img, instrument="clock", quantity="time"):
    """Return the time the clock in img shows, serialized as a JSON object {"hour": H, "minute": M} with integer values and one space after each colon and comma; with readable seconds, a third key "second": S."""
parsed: {"hour": 11, "minute": 54}
